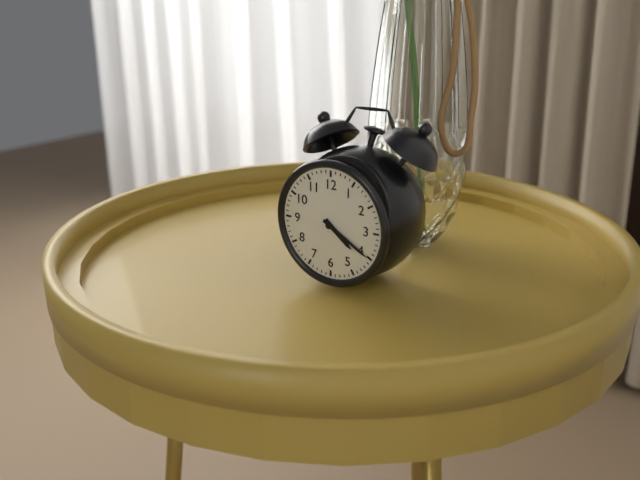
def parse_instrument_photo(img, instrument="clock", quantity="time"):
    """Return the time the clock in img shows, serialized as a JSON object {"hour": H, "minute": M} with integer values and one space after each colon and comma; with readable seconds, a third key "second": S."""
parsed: {"hour": 4, "minute": 20}
